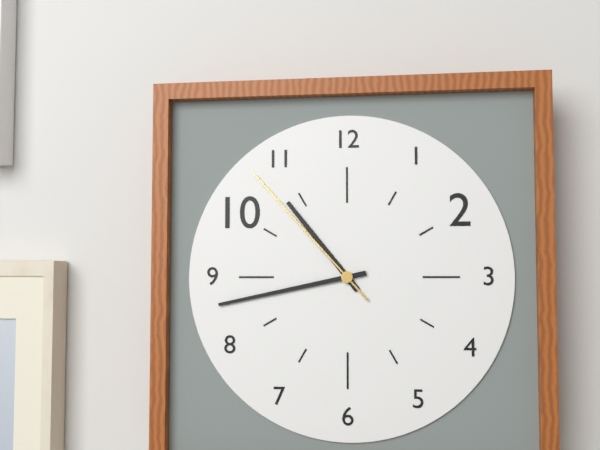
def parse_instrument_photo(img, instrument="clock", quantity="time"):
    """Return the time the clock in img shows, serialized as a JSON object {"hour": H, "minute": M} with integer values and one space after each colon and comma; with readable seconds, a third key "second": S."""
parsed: {"hour": 10, "minute": 43, "second": 53}
